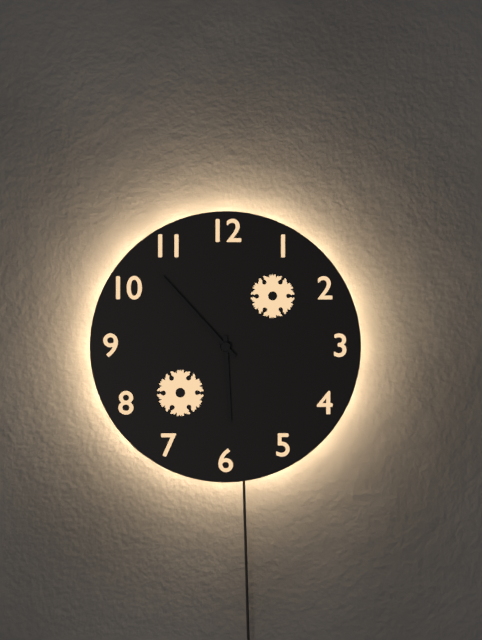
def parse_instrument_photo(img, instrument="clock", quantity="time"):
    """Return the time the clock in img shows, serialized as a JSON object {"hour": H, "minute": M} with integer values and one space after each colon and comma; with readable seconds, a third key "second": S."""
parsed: {"hour": 5, "minute": 53}
